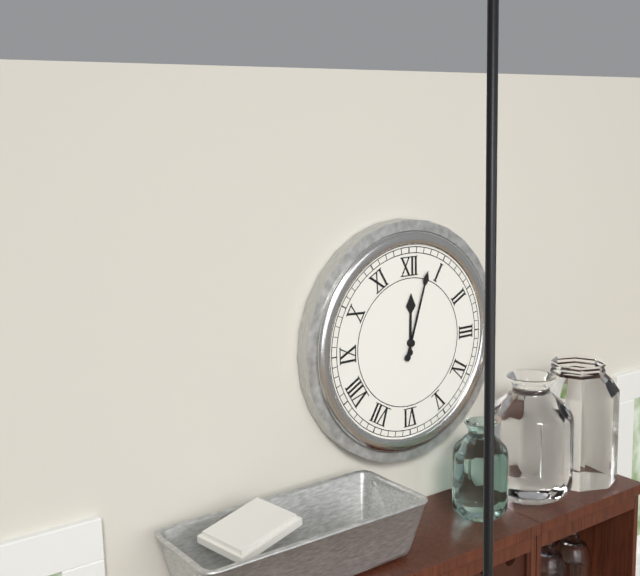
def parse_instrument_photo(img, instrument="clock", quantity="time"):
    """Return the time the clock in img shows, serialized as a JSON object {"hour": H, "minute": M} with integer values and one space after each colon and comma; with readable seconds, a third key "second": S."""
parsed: {"hour": 12, "minute": 3}
